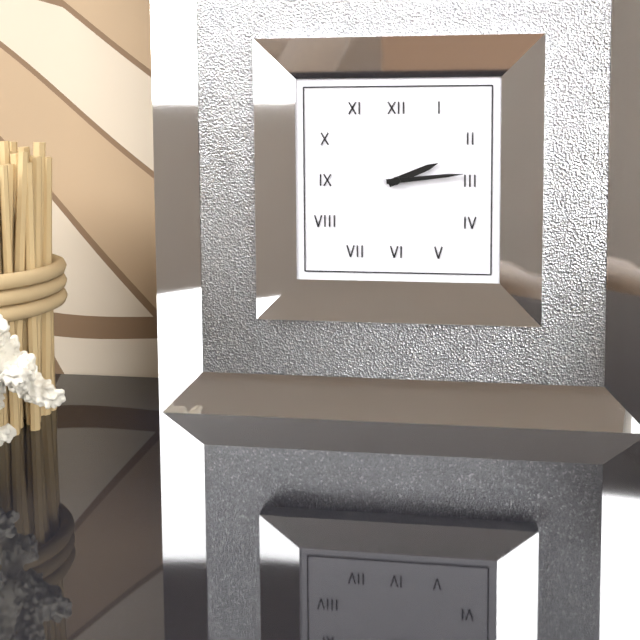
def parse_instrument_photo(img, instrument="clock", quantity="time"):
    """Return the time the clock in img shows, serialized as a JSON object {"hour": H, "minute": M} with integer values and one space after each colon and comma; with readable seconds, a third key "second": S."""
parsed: {"hour": 2, "minute": 14}
